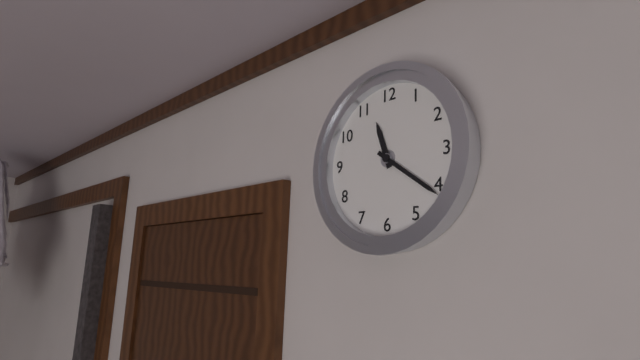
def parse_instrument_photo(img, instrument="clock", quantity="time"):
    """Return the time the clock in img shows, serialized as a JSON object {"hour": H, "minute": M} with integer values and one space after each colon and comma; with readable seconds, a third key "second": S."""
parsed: {"hour": 11, "minute": 21}
